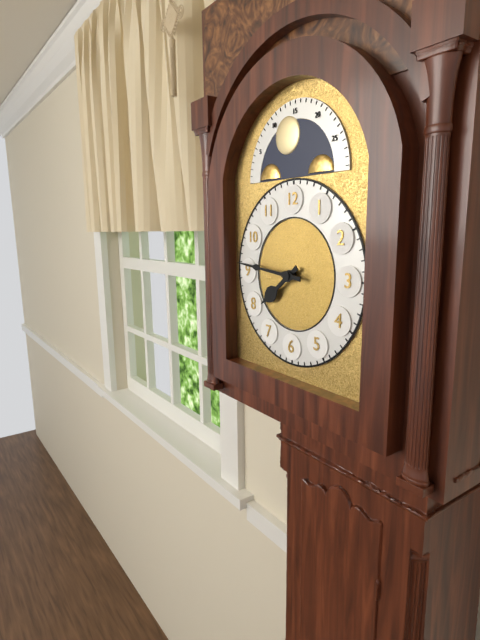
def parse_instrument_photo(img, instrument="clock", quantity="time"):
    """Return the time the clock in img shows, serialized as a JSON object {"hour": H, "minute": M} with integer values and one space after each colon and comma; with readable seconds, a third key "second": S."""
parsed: {"hour": 7, "minute": 46}
